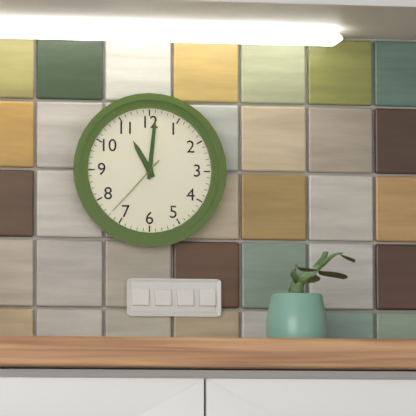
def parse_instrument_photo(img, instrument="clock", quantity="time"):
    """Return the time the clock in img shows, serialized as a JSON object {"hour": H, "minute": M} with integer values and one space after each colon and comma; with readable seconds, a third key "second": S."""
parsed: {"hour": 11, "minute": 1, "second": 37}
